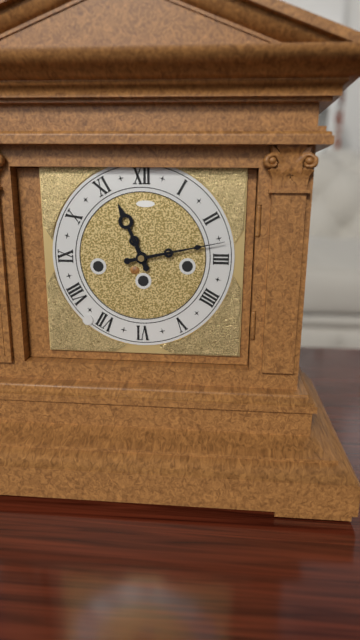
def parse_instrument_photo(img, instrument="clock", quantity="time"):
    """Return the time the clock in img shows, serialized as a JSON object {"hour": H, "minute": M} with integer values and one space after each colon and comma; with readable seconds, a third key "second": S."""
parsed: {"hour": 11, "minute": 13}
